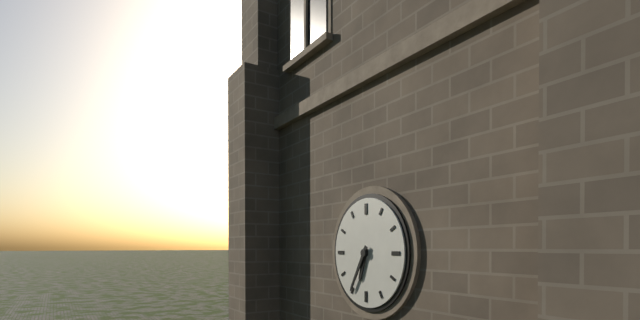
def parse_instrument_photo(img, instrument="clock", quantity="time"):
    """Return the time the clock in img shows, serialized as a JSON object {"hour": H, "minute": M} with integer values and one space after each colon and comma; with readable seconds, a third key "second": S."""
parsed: {"hour": 6, "minute": 35}
